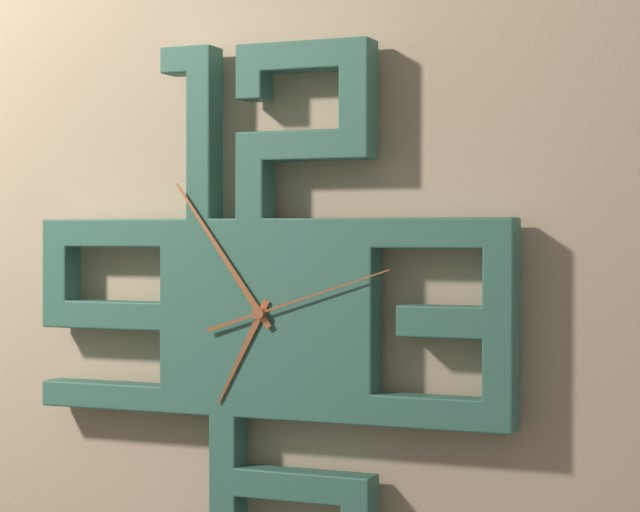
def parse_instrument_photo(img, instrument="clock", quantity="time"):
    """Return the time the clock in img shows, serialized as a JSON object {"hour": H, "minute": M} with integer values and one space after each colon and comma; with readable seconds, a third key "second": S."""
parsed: {"hour": 6, "minute": 54, "second": 12}
